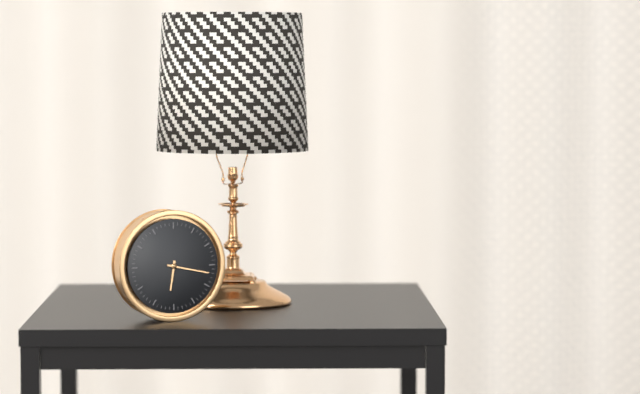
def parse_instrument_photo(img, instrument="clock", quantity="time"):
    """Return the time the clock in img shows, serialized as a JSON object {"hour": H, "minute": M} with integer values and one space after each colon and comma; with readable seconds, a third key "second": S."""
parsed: {"hour": 6, "minute": 17}
